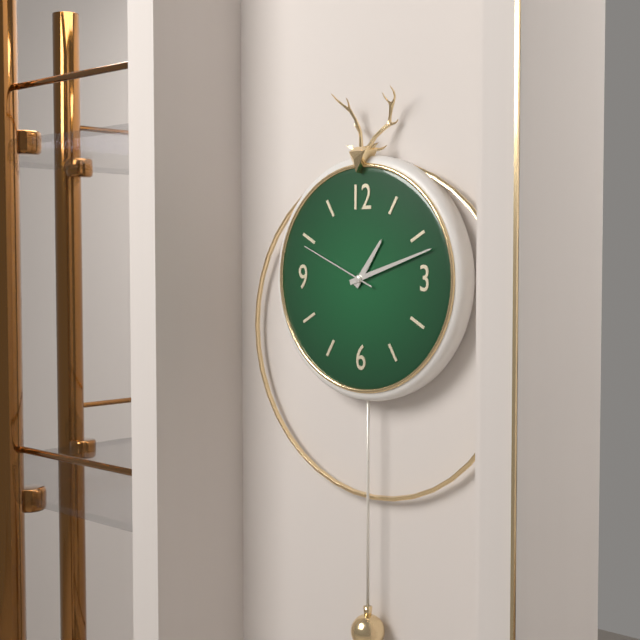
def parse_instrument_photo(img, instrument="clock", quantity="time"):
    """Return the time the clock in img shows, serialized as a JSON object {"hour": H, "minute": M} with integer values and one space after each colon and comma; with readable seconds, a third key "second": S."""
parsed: {"hour": 1, "minute": 12, "second": 49}
